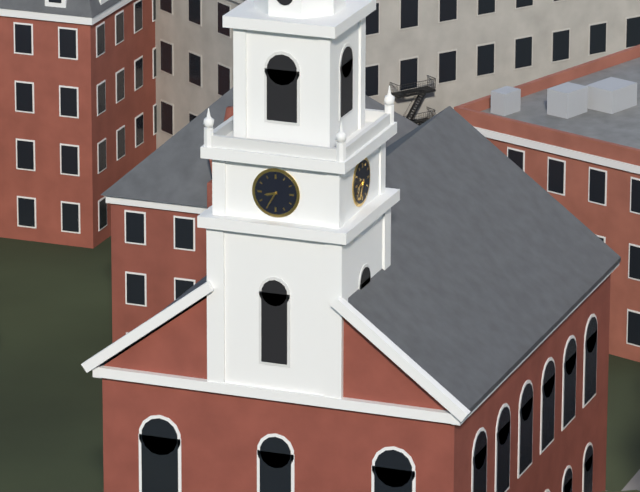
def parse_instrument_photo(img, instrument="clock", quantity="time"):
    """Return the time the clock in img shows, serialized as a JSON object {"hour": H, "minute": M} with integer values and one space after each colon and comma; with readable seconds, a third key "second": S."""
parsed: {"hour": 8, "minute": 35}
